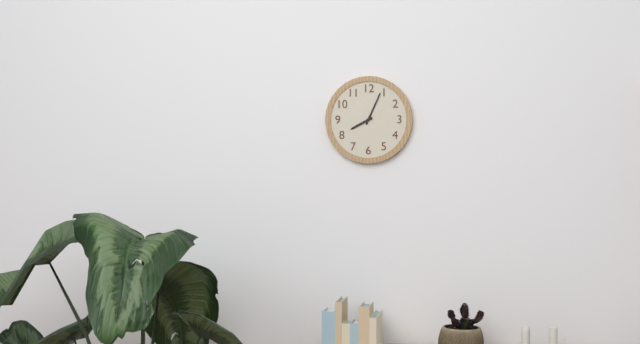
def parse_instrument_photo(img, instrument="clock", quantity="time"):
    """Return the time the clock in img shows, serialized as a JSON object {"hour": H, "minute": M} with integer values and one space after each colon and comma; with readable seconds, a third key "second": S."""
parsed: {"hour": 8, "minute": 4}
